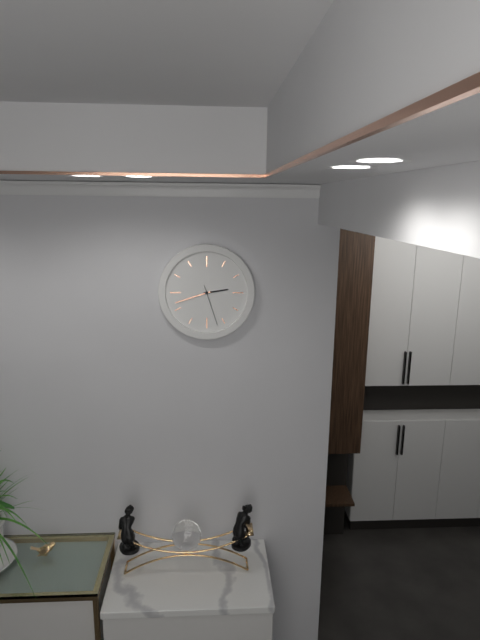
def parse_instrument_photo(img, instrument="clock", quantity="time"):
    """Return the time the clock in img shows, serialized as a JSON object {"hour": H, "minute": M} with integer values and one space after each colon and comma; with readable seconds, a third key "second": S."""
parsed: {"hour": 2, "minute": 42}
